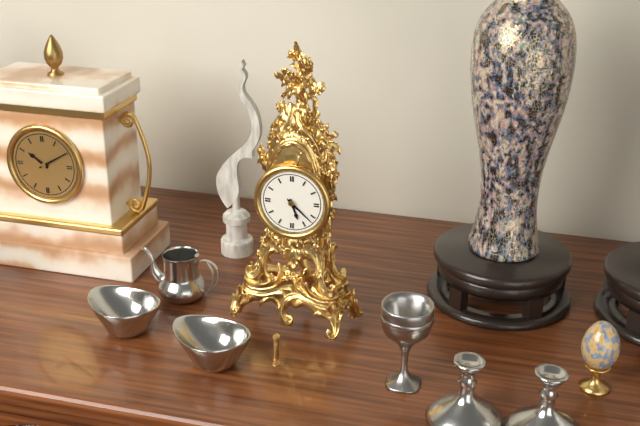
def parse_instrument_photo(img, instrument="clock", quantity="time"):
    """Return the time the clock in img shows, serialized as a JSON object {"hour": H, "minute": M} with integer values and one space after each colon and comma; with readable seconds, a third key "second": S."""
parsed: {"hour": 5, "minute": 22}
